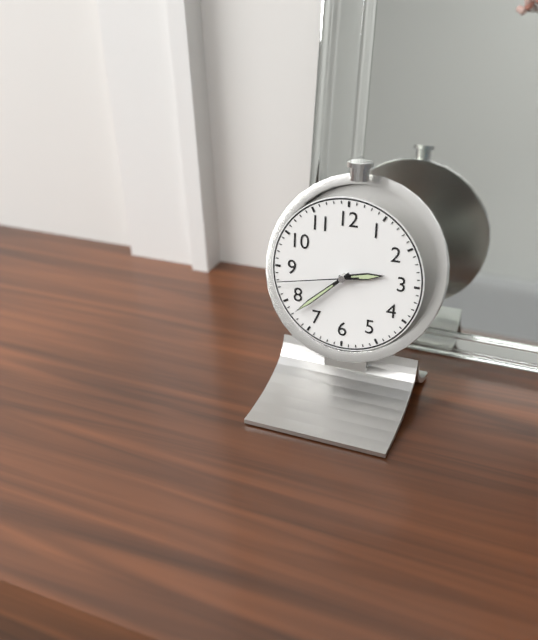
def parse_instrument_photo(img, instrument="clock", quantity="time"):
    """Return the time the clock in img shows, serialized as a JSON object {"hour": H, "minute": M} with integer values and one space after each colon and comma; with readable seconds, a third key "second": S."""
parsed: {"hour": 2, "minute": 38, "second": 43}
